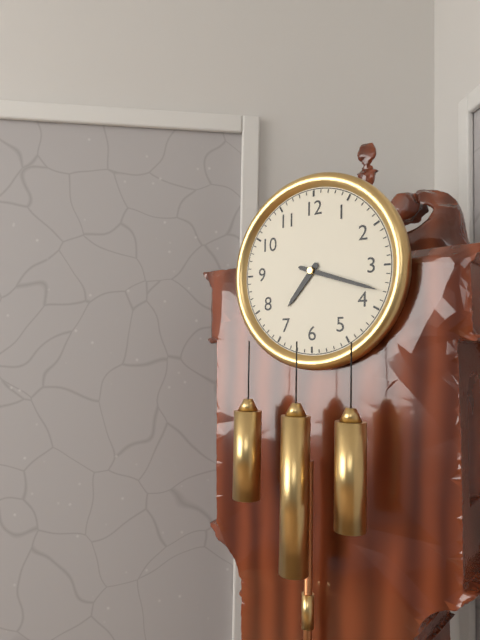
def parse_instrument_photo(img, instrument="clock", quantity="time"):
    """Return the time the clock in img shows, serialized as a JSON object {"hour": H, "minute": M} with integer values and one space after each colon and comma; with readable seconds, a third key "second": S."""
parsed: {"hour": 7, "minute": 18}
